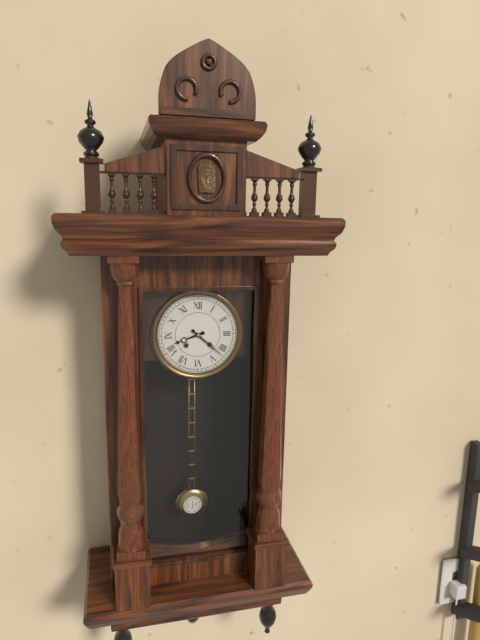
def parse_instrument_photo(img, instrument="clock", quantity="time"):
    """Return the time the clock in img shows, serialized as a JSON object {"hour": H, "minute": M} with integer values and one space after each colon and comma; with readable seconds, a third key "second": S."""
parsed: {"hour": 8, "minute": 22}
